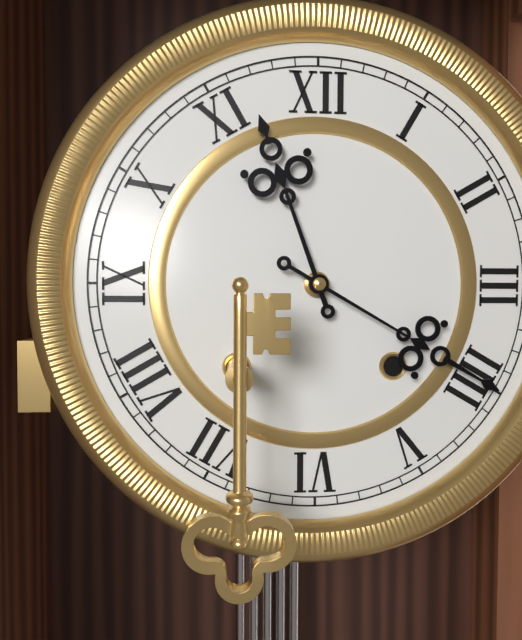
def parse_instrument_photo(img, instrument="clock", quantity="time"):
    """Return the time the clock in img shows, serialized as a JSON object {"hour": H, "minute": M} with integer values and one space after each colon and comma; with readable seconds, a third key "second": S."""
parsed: {"hour": 11, "minute": 20}
